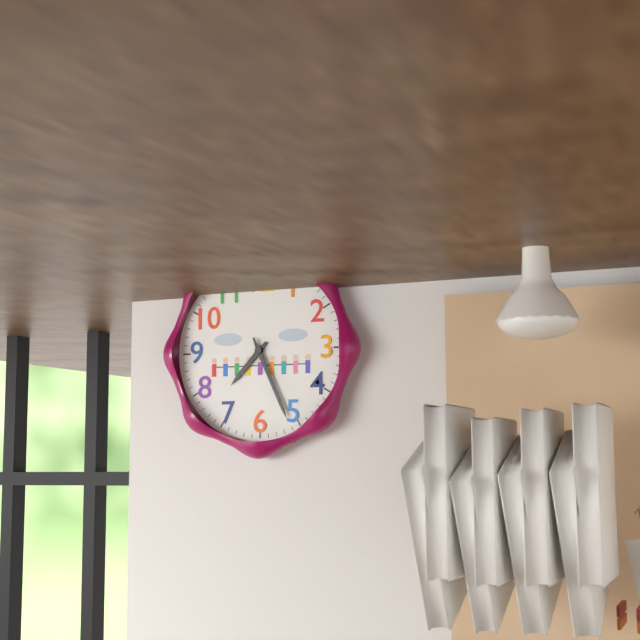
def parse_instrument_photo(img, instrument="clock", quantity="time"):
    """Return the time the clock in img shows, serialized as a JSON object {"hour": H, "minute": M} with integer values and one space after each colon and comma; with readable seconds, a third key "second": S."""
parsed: {"hour": 7, "minute": 26}
